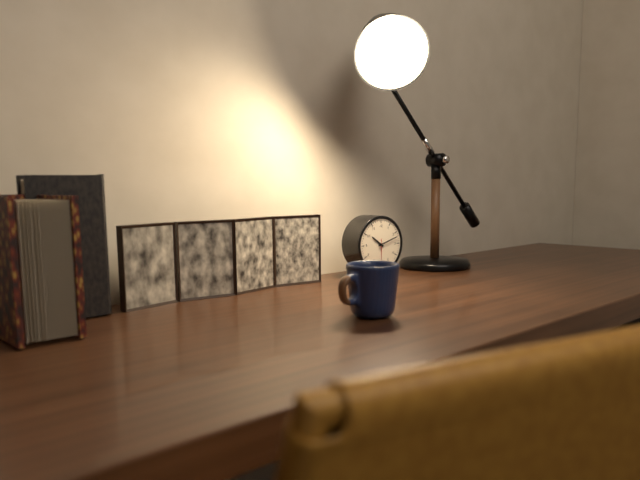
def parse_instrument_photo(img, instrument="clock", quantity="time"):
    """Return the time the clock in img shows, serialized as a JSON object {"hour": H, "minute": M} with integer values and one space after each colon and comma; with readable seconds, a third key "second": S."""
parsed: {"hour": 10, "minute": 12}
